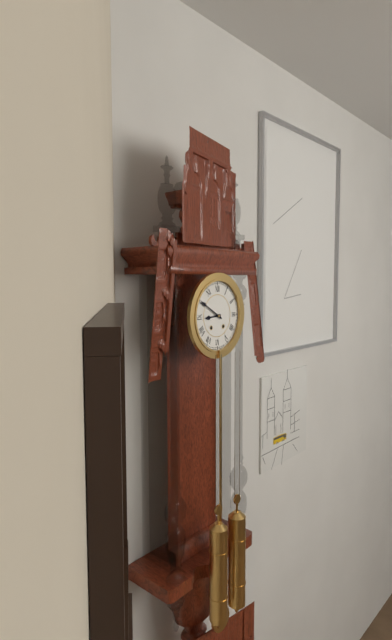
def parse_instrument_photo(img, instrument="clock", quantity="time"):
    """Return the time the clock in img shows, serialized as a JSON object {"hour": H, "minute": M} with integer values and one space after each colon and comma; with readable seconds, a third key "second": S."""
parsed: {"hour": 8, "minute": 50}
